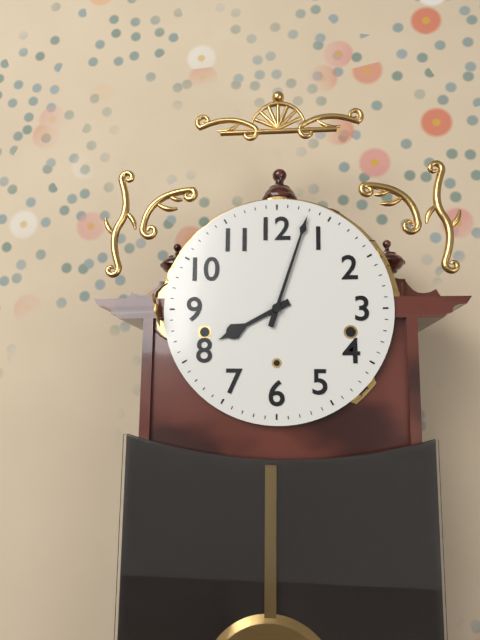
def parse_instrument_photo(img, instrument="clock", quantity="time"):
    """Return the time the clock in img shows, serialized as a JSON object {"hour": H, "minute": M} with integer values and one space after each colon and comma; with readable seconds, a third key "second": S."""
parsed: {"hour": 8, "minute": 3}
